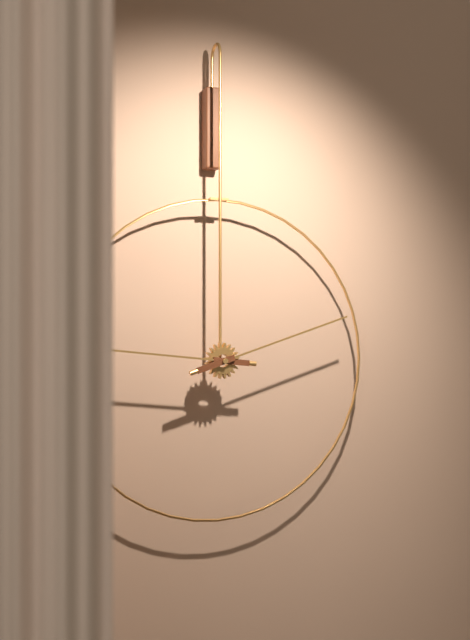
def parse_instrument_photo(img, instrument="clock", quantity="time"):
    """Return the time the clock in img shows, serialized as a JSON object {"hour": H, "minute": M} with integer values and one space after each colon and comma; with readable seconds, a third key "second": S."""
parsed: {"hour": 9, "minute": 12}
